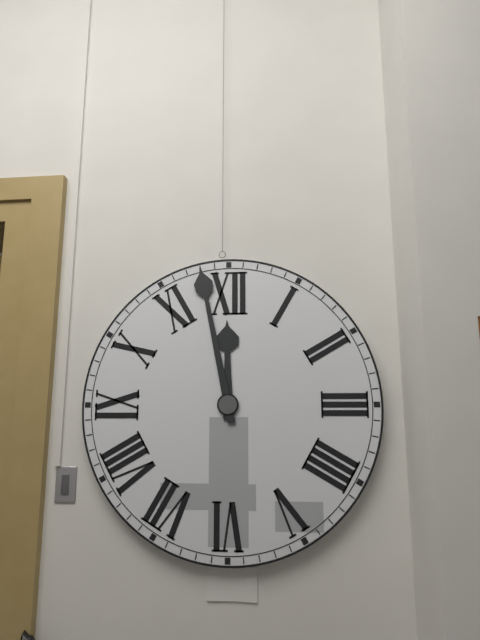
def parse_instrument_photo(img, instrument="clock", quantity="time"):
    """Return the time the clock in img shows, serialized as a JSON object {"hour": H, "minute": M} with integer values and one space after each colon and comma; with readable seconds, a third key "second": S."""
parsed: {"hour": 11, "minute": 58}
